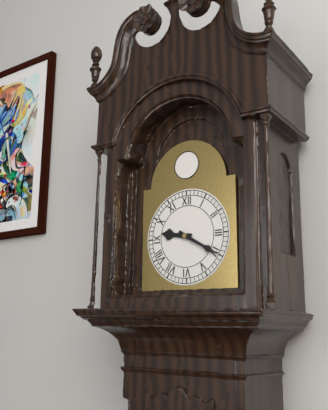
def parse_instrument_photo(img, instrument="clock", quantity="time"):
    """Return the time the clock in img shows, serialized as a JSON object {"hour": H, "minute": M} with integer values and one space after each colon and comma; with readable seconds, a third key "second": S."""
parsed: {"hour": 9, "minute": 20}
